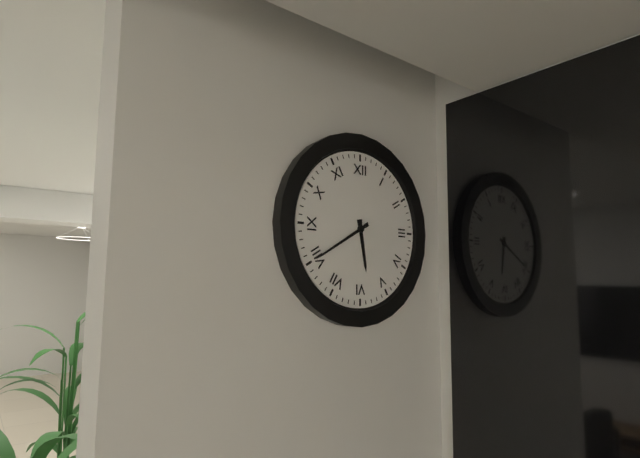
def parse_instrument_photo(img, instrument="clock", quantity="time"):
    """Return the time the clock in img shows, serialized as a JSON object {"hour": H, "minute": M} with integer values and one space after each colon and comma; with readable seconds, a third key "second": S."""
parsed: {"hour": 5, "minute": 40}
